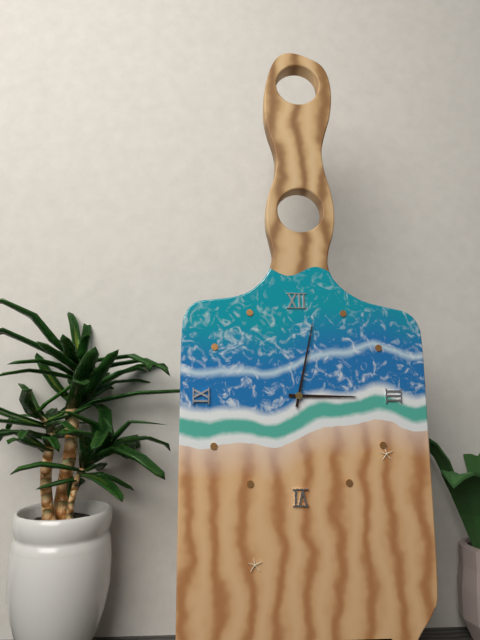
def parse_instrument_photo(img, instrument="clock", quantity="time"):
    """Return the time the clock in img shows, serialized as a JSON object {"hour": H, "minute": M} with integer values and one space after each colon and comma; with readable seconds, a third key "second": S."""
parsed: {"hour": 3, "minute": 2}
